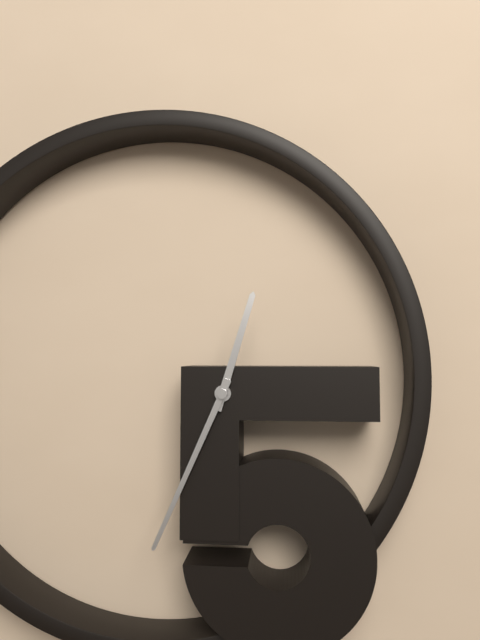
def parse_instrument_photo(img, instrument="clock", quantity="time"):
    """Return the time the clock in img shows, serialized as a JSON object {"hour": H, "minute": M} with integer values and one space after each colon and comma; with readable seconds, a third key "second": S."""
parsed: {"hour": 12, "minute": 34}
